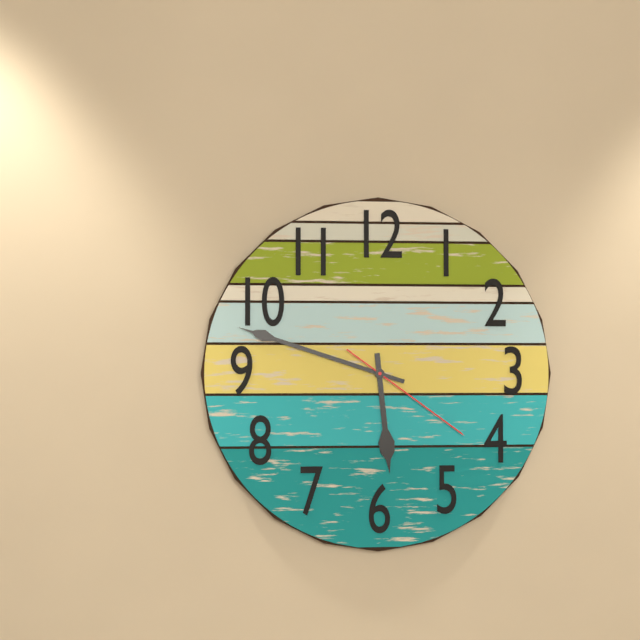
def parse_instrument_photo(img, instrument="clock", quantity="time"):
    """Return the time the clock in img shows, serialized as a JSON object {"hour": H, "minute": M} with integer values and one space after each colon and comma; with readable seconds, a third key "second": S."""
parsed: {"hour": 5, "minute": 48, "second": 21}
